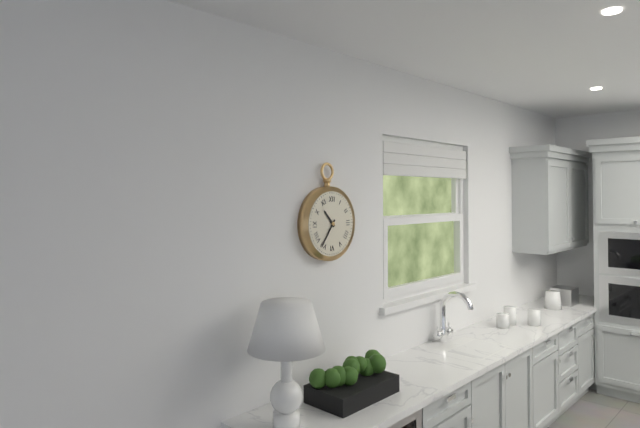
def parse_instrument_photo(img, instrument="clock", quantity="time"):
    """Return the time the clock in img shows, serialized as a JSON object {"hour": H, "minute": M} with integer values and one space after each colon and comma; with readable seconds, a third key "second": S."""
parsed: {"hour": 10, "minute": 36}
